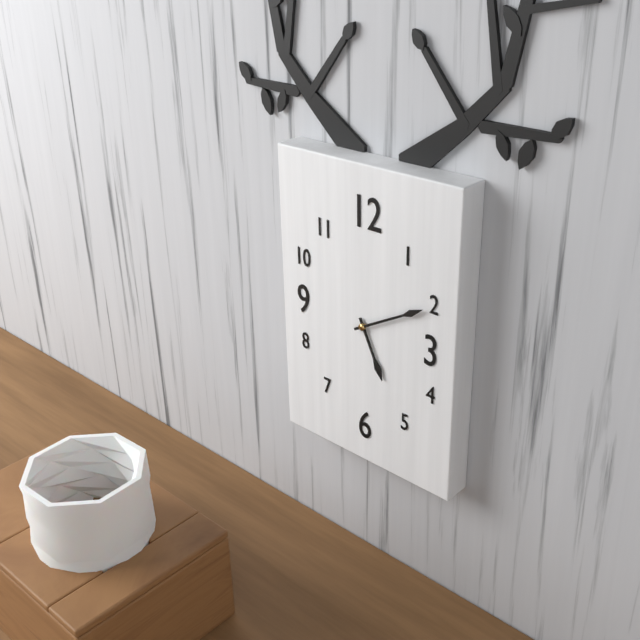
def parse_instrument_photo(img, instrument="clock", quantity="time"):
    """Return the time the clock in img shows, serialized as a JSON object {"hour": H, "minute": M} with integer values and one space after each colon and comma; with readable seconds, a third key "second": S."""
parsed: {"hour": 5, "minute": 10}
